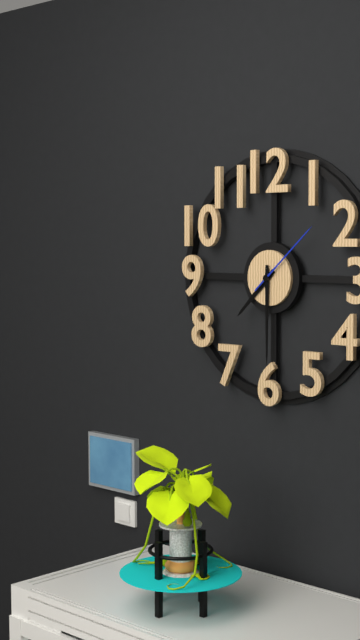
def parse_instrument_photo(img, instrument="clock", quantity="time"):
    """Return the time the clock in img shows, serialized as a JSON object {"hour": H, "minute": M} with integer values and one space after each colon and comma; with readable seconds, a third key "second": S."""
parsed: {"hour": 7, "minute": 30, "second": 8}
